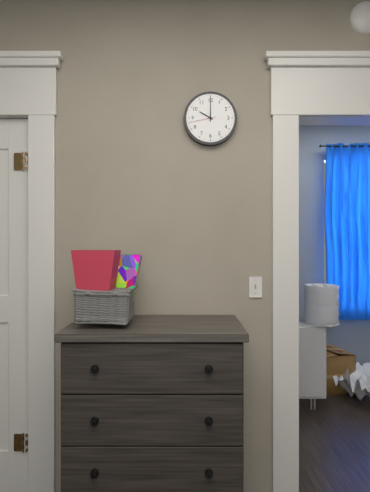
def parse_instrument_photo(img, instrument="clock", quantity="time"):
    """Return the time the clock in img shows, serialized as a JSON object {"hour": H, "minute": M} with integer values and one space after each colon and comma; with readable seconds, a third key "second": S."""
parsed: {"hour": 10, "minute": 0}
